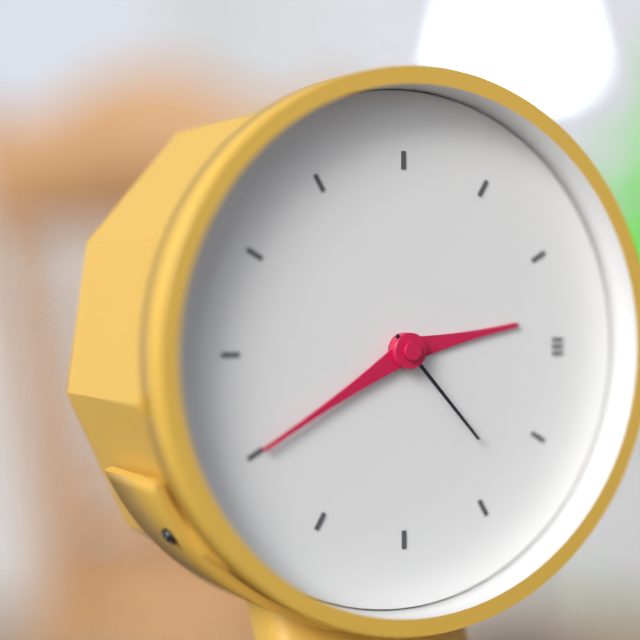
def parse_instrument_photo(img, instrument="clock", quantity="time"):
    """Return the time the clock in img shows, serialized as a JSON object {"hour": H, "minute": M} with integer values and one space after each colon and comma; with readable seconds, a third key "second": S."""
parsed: {"hour": 2, "minute": 40, "second": 23}
